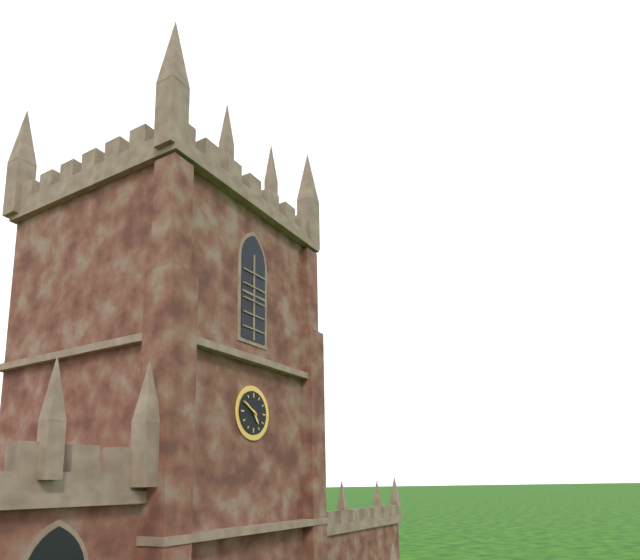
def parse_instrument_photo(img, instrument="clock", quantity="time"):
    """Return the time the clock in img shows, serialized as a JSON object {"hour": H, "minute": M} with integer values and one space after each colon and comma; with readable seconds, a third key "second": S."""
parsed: {"hour": 4, "minute": 50}
